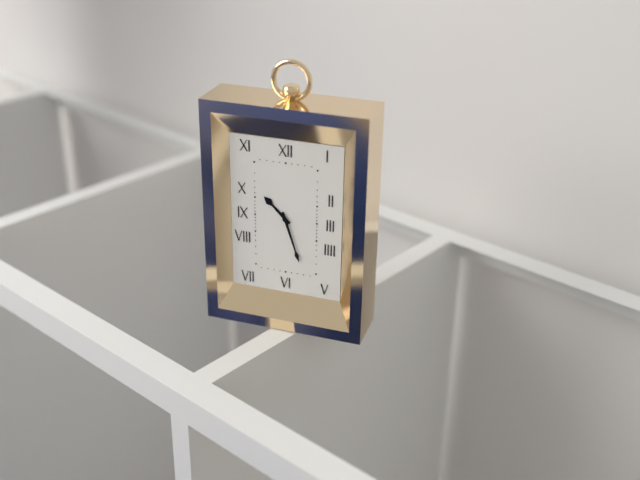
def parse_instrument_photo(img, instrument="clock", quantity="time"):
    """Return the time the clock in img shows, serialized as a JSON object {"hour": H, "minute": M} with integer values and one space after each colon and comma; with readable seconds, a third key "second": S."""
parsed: {"hour": 10, "minute": 27}
